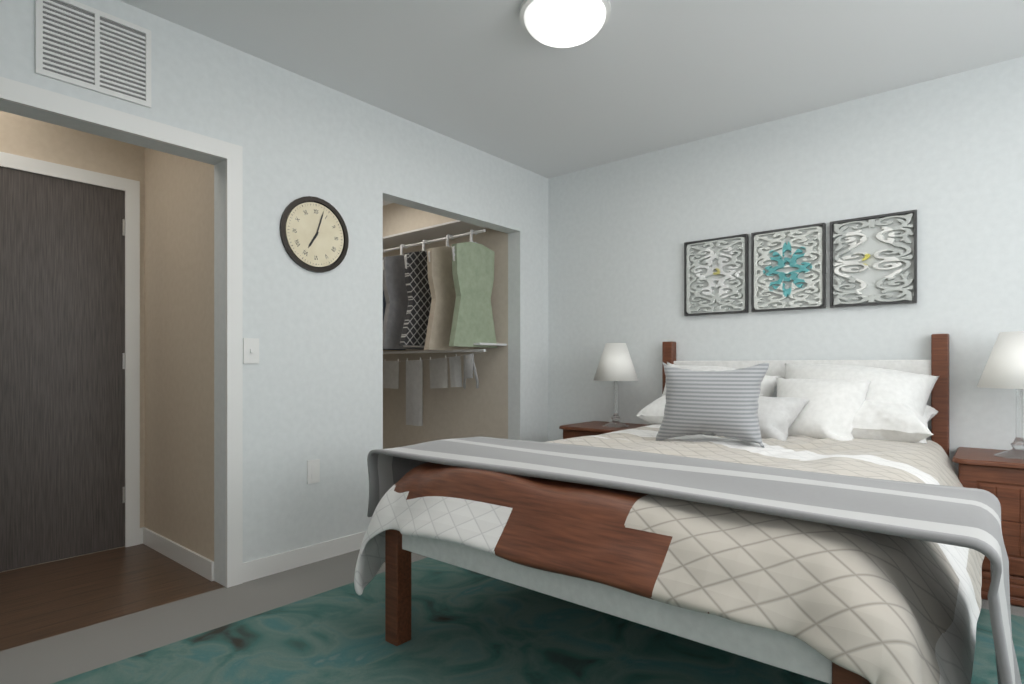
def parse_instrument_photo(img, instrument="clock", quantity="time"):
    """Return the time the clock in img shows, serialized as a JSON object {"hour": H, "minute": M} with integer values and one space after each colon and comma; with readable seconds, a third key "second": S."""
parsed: {"hour": 7, "minute": 3}
